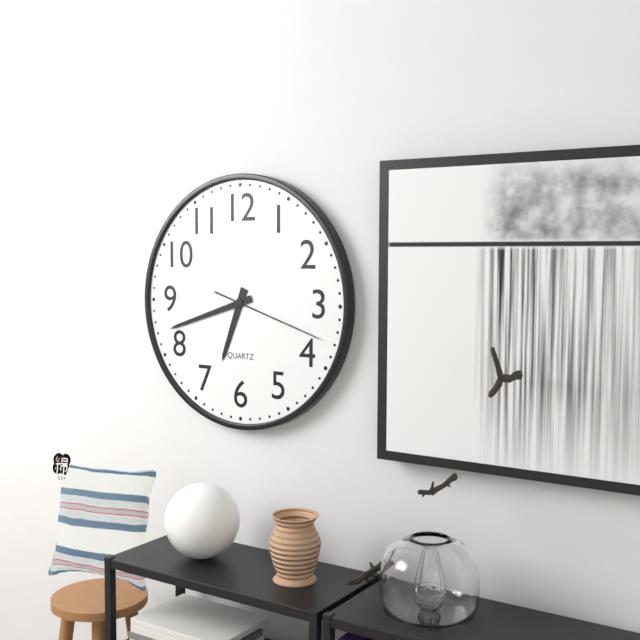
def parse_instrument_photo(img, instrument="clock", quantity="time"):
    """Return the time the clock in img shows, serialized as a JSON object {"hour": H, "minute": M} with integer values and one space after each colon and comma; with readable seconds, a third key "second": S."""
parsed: {"hour": 6, "minute": 42, "second": 18}
